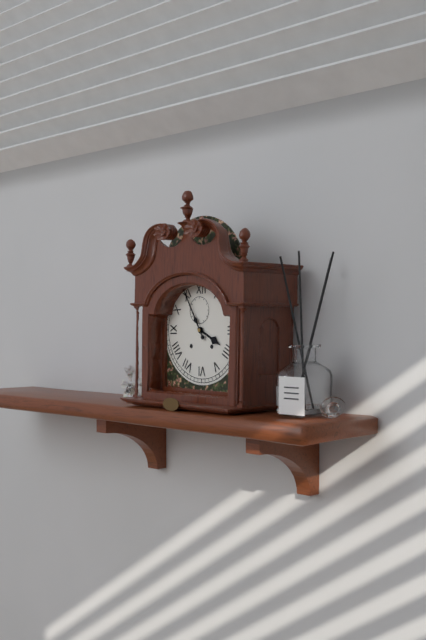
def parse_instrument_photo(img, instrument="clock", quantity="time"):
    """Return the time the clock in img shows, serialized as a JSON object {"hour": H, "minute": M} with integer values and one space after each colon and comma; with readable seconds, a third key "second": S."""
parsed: {"hour": 3, "minute": 55}
